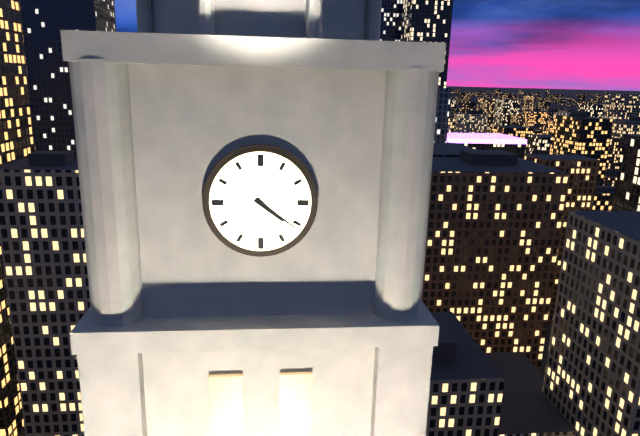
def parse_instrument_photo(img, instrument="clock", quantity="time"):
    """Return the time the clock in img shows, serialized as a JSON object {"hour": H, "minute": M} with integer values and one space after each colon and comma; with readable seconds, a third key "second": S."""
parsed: {"hour": 4, "minute": 21}
